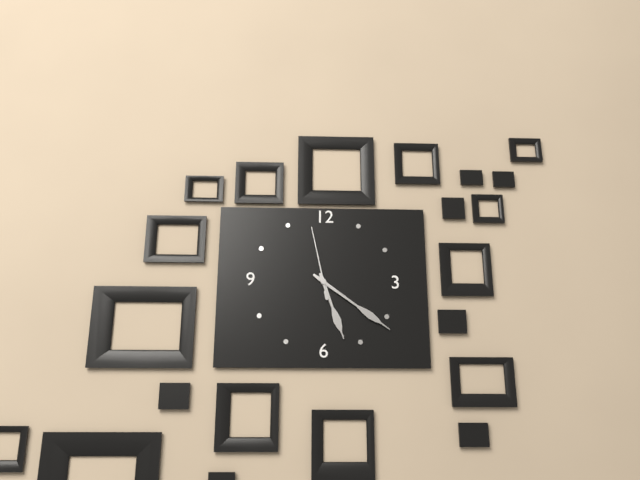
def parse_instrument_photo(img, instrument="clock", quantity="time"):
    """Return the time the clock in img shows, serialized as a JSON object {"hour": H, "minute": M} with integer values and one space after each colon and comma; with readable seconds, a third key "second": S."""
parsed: {"hour": 5, "minute": 21, "second": 58}
